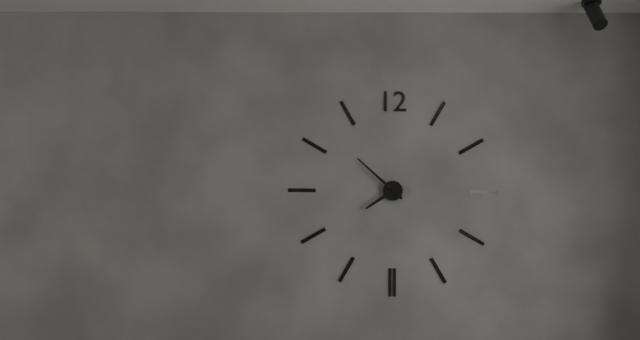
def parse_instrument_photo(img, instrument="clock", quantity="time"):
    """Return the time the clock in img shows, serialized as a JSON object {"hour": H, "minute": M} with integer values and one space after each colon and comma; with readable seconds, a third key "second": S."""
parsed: {"hour": 7, "minute": 52}
